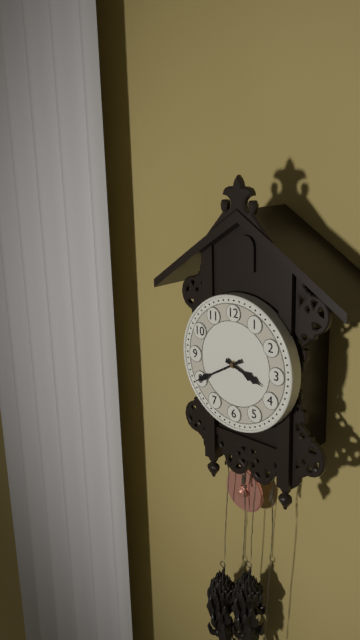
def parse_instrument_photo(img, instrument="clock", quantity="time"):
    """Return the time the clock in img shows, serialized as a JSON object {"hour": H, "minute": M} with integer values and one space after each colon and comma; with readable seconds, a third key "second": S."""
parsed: {"hour": 3, "minute": 40}
